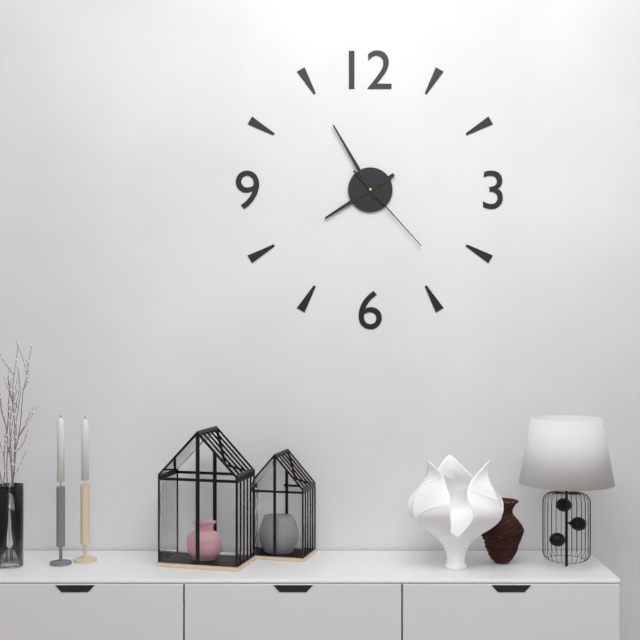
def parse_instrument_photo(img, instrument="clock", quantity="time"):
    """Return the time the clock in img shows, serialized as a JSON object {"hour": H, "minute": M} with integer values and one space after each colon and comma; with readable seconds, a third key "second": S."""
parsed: {"hour": 7, "minute": 55, "second": 23}
